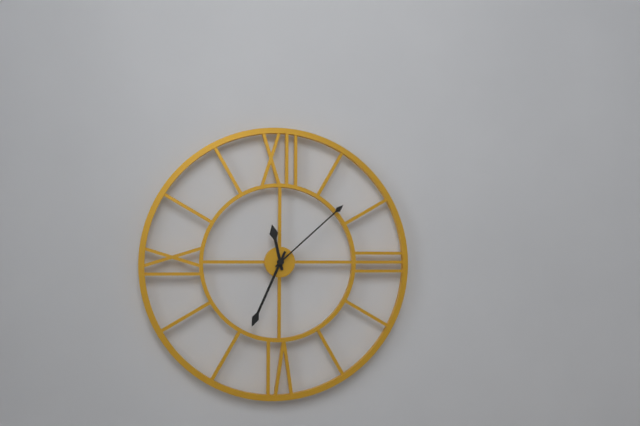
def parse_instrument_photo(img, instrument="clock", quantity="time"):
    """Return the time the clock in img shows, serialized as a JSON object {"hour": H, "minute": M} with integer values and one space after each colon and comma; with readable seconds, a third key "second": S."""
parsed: {"hour": 11, "minute": 34, "second": 8}
